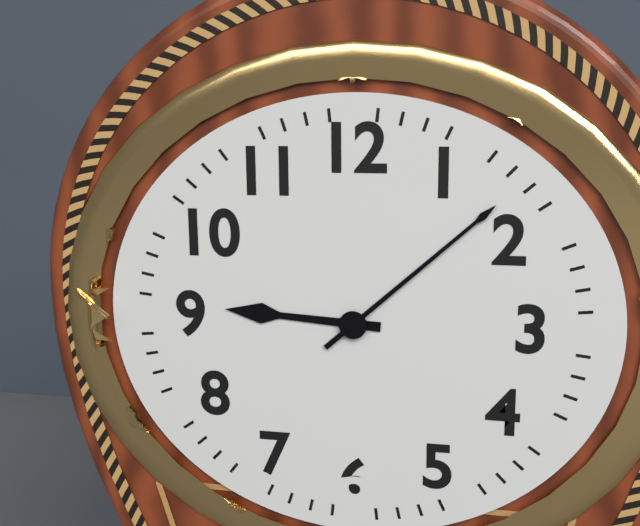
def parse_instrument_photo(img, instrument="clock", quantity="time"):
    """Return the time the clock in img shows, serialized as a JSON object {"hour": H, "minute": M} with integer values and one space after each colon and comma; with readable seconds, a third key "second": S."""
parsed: {"hour": 9, "minute": 8}
